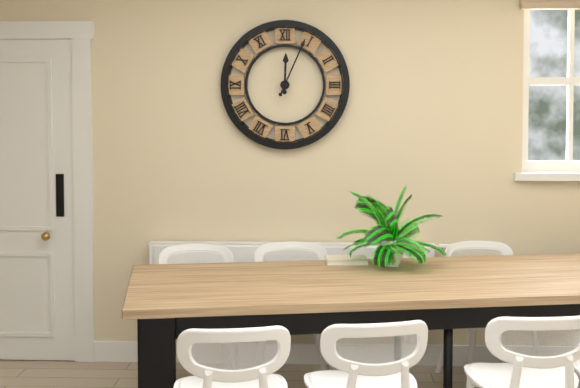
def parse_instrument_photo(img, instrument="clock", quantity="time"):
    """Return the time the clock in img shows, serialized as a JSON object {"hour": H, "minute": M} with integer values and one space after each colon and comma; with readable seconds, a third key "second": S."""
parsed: {"hour": 12, "minute": 4}
